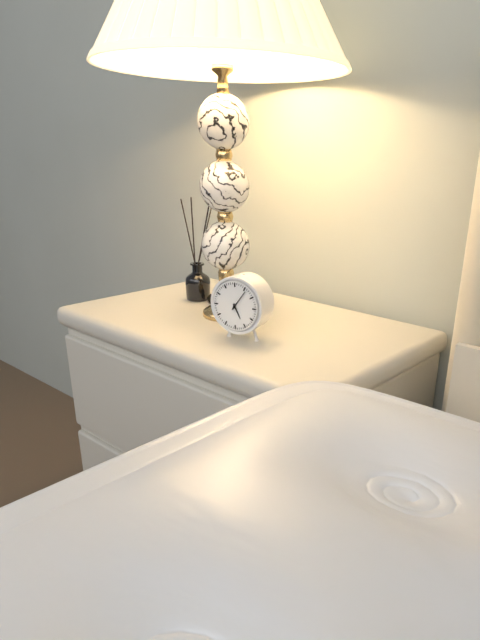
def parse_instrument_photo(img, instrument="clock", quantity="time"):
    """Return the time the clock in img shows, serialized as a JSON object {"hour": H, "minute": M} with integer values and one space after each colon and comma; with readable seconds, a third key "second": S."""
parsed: {"hour": 5, "minute": 6}
